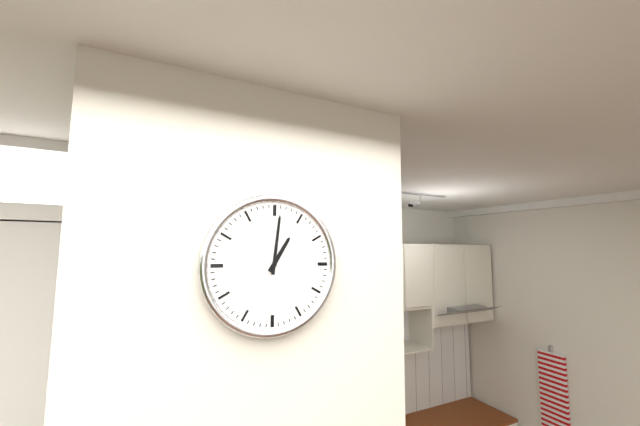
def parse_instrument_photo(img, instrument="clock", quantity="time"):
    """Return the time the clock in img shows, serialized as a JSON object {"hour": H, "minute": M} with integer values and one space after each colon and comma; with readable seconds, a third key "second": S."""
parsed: {"hour": 1, "minute": 1}
